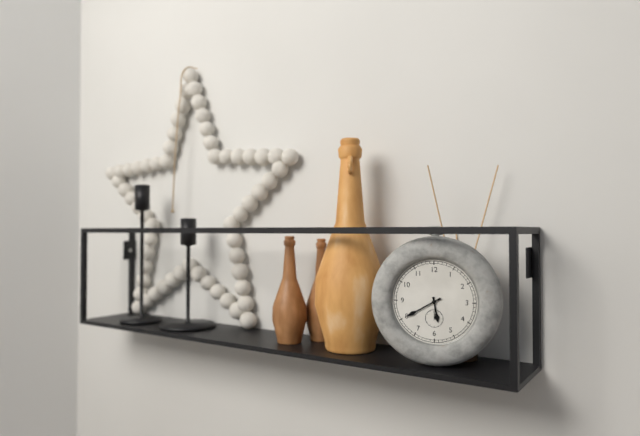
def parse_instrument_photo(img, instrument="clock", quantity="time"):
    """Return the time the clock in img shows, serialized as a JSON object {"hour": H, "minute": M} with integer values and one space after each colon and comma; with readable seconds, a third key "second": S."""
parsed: {"hour": 5, "minute": 40}
